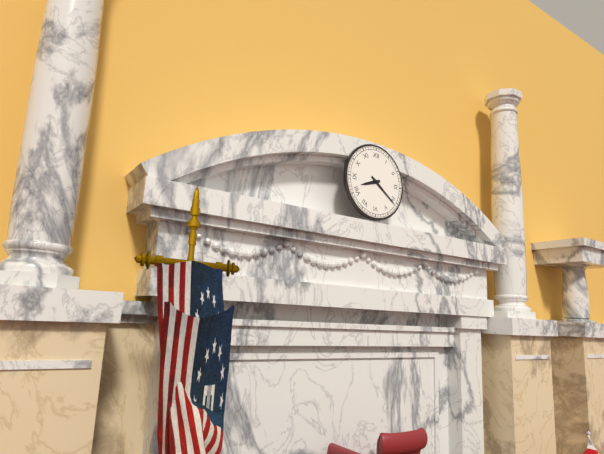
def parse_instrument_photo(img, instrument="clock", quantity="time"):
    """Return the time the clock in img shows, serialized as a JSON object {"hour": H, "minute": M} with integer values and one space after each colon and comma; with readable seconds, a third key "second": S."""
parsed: {"hour": 8, "minute": 21}
